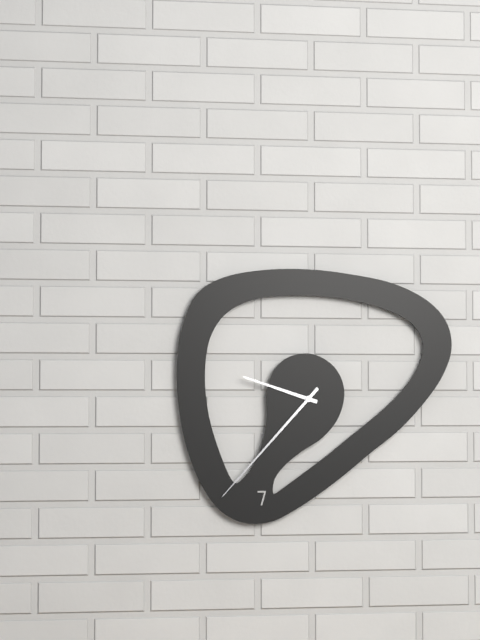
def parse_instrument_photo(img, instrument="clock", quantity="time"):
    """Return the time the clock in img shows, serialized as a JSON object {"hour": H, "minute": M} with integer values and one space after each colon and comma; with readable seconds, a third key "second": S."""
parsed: {"hour": 9, "minute": 37}
